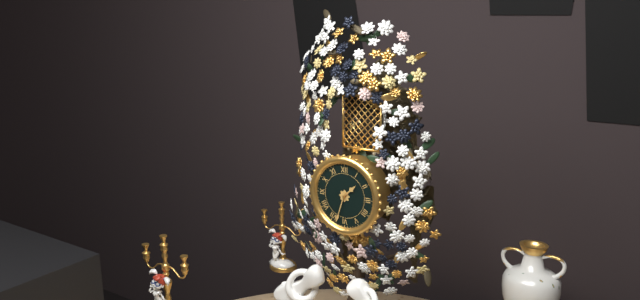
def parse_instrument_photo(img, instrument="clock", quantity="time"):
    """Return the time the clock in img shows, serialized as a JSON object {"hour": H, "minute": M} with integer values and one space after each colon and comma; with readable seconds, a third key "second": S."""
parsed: {"hour": 1, "minute": 33}
